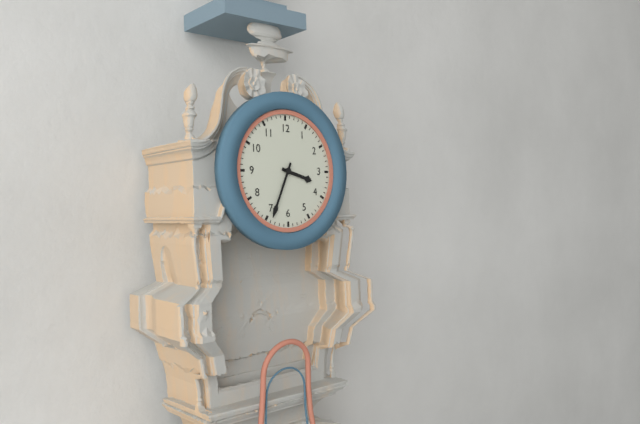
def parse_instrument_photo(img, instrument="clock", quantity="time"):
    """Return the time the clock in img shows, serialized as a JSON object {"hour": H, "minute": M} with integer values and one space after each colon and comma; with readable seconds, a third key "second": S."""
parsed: {"hour": 3, "minute": 34}
